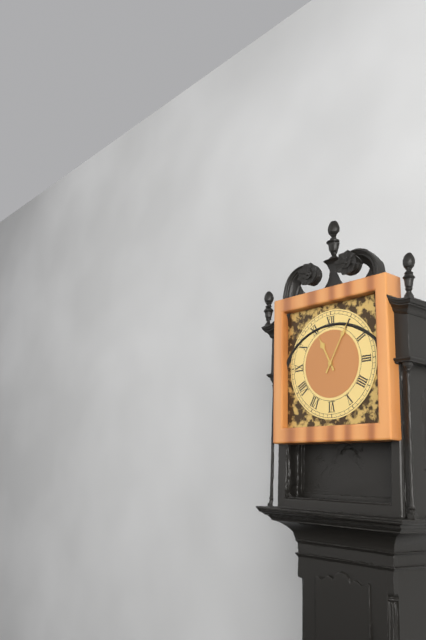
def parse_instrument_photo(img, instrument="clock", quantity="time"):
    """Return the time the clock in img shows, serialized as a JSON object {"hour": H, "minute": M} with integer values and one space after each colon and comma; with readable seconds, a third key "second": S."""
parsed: {"hour": 11, "minute": 5}
